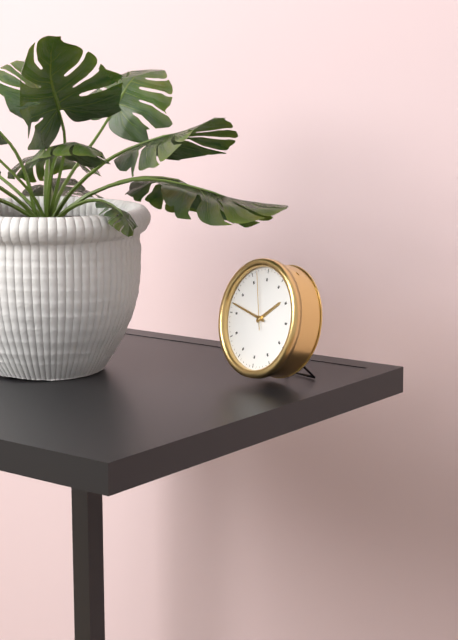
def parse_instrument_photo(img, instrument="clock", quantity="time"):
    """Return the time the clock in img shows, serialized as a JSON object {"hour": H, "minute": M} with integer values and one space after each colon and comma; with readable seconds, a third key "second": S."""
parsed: {"hour": 1, "minute": 47, "second": 57}
